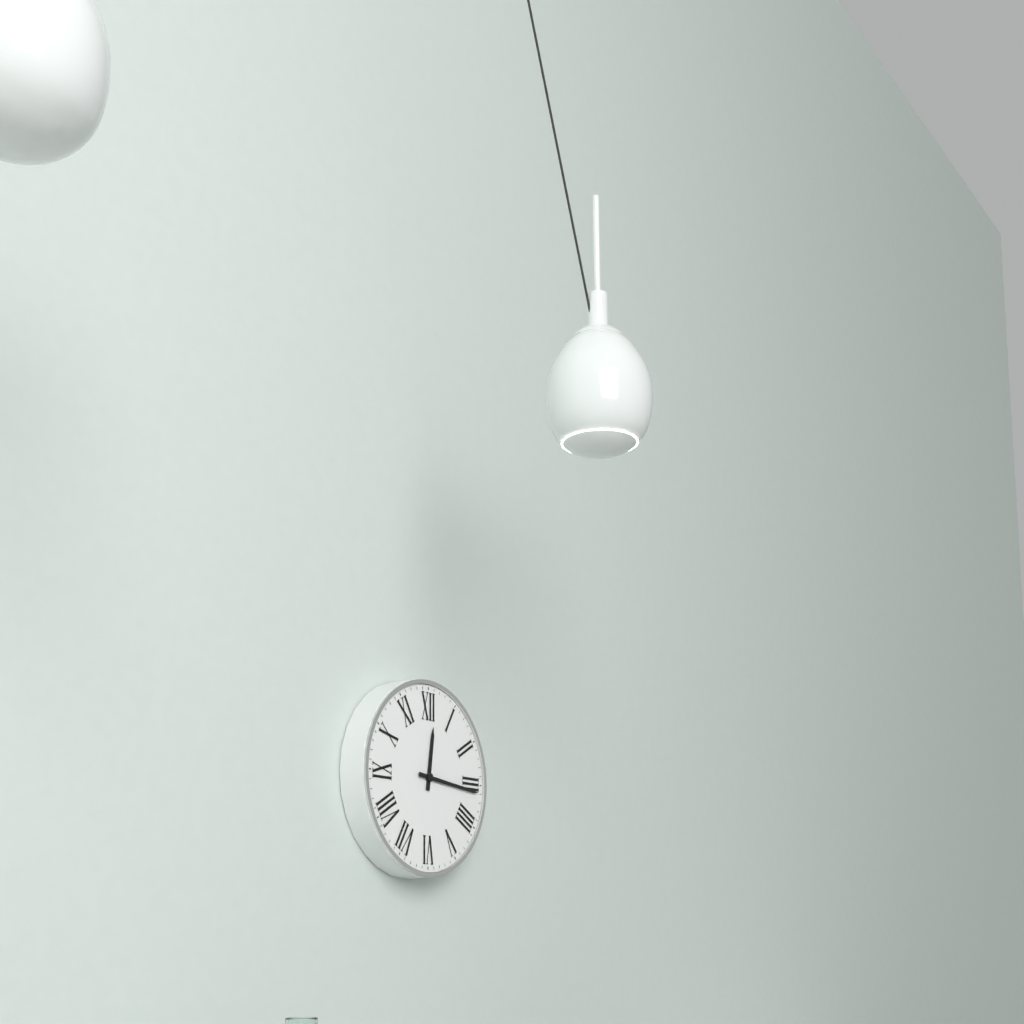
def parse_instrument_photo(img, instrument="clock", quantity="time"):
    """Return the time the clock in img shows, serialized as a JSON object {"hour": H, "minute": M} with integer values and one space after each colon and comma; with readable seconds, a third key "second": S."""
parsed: {"hour": 12, "minute": 16}
